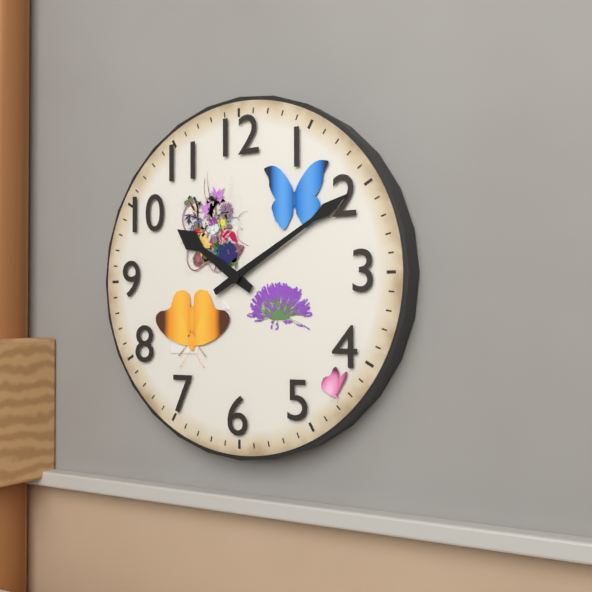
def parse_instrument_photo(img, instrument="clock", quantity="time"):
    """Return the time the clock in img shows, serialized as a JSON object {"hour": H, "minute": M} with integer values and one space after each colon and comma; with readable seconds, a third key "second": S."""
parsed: {"hour": 10, "minute": 10}
